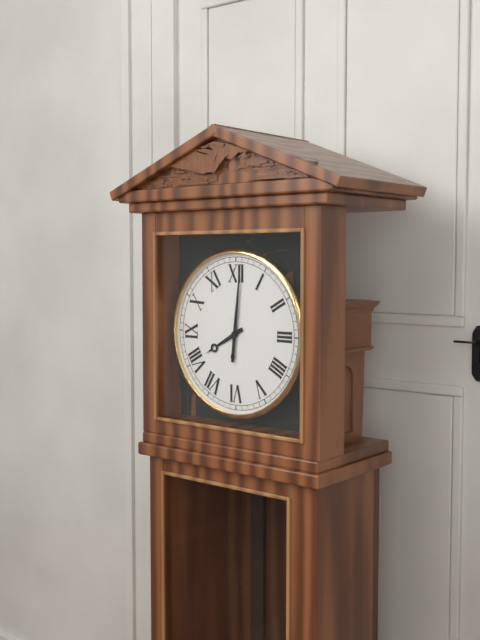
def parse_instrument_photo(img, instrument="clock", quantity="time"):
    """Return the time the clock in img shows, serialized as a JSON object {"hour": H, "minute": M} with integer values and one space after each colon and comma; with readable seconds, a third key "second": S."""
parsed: {"hour": 8, "minute": 1}
